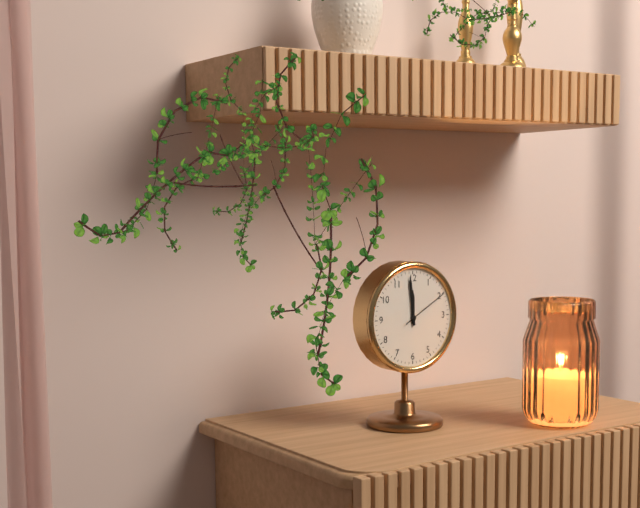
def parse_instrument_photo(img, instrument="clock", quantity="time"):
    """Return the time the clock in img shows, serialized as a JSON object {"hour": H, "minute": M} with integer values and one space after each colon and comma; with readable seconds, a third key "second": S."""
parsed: {"hour": 11, "minute": 59}
